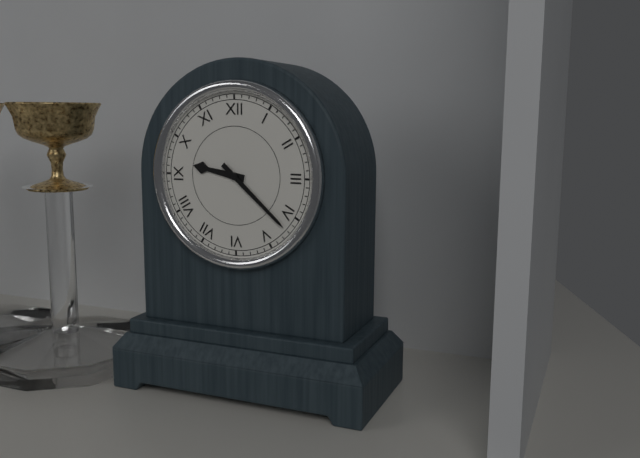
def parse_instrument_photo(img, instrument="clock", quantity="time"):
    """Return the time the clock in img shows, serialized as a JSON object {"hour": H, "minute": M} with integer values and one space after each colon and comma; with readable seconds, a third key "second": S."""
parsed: {"hour": 9, "minute": 22}
